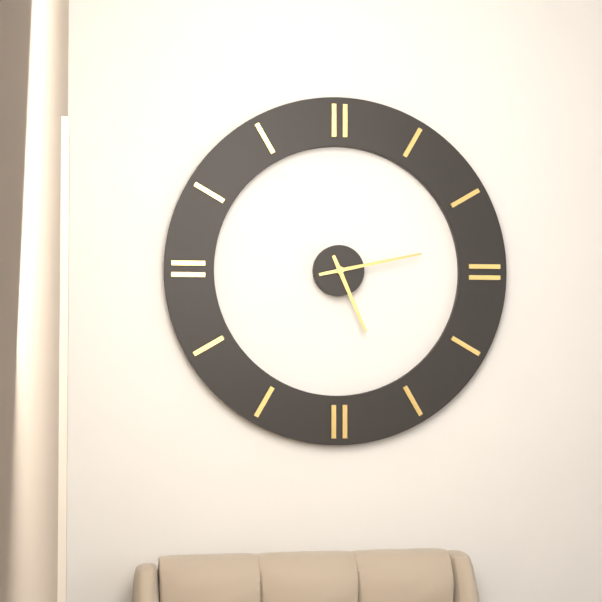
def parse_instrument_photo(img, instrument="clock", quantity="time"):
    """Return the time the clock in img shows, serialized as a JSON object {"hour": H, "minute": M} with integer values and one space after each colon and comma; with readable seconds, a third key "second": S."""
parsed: {"hour": 5, "minute": 13}
